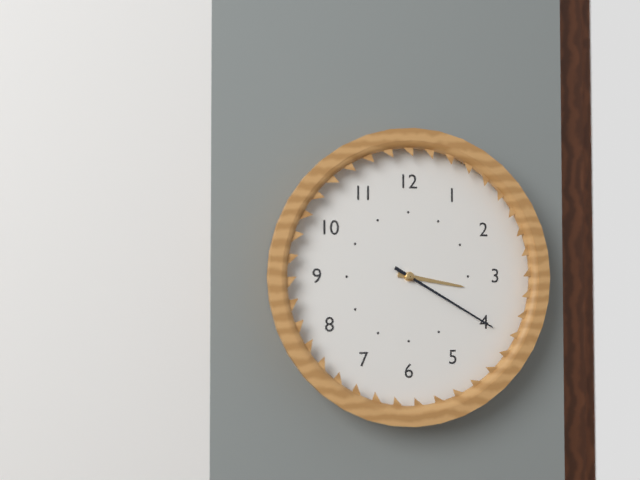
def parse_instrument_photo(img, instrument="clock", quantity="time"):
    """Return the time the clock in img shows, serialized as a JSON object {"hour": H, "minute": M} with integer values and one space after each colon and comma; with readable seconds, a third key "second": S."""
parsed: {"hour": 3, "minute": 20}
